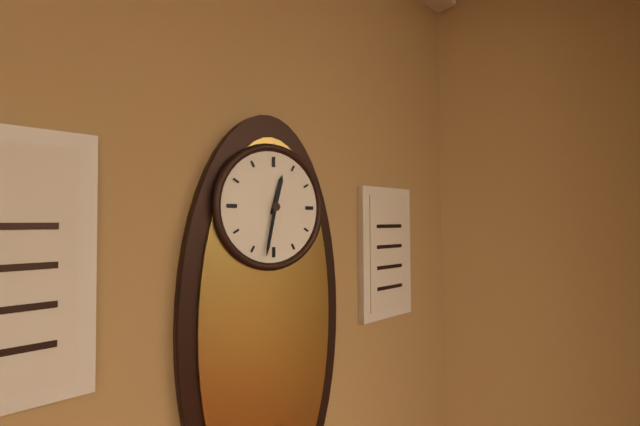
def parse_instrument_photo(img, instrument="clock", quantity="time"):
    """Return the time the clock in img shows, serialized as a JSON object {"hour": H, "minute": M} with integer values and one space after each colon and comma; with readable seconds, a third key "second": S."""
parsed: {"hour": 12, "minute": 32}
